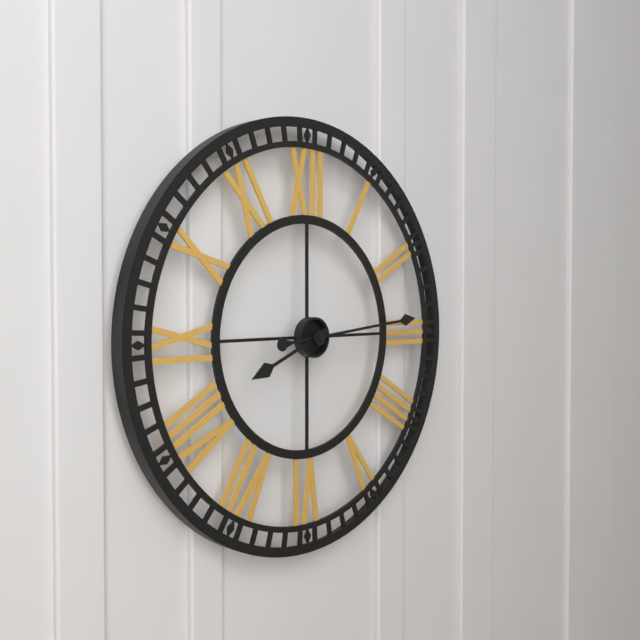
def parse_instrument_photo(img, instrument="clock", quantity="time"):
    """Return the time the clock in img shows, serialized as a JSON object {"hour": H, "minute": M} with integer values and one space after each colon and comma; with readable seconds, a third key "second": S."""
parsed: {"hour": 8, "minute": 14}
